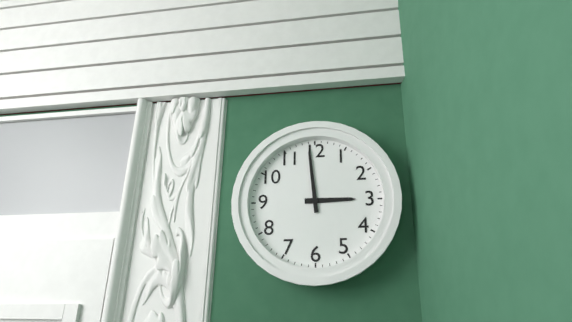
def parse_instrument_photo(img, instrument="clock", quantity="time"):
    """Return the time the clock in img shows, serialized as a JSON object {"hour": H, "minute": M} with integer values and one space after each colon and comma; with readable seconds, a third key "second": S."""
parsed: {"hour": 2, "minute": 59}
